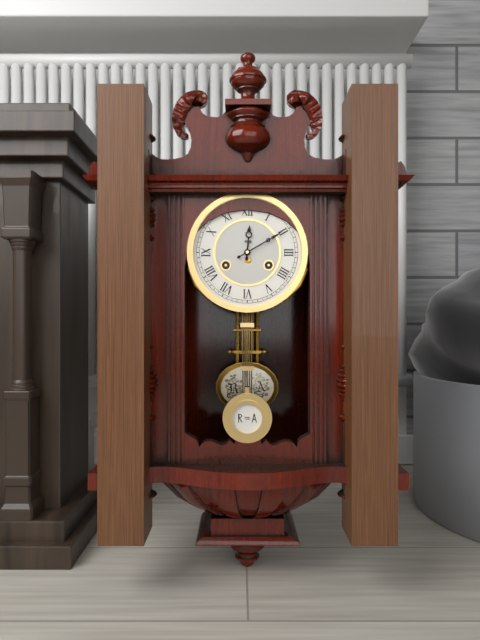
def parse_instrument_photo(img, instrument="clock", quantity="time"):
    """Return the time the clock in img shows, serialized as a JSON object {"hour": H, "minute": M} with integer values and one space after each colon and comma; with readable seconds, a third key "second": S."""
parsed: {"hour": 12, "minute": 10}
